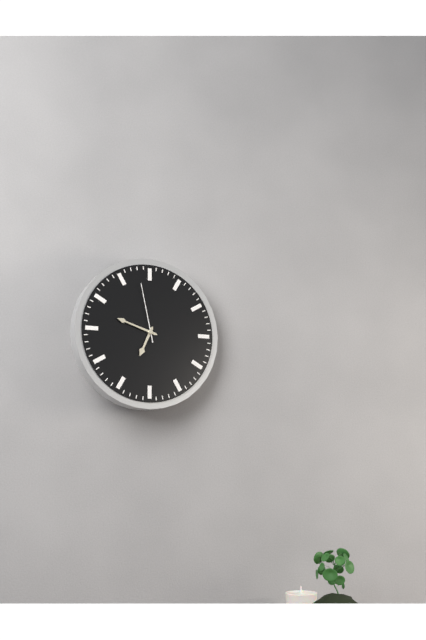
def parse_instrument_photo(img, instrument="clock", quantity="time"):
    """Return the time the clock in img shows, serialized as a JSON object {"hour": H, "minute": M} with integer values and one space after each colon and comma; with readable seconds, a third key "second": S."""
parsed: {"hour": 6, "minute": 48, "second": 58}
